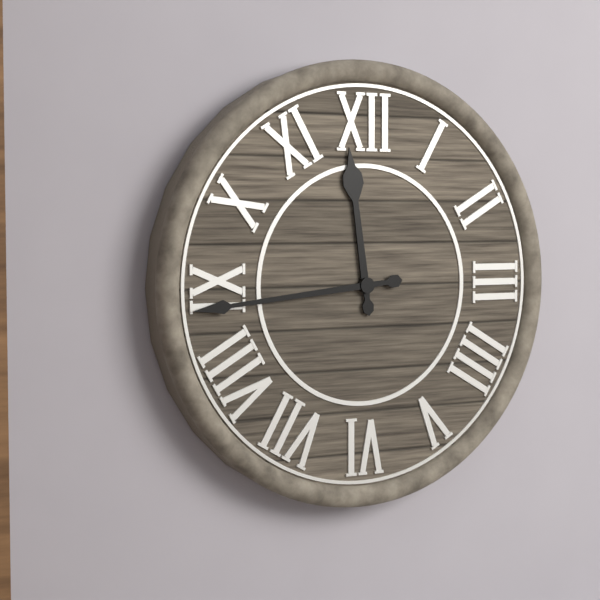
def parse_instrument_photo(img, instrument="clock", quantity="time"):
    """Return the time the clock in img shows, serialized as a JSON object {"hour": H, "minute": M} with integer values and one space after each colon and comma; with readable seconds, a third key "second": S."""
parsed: {"hour": 11, "minute": 44}
